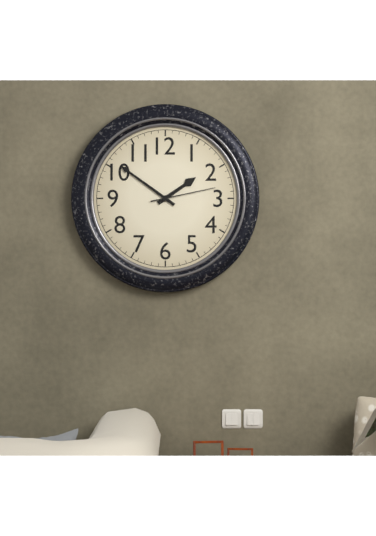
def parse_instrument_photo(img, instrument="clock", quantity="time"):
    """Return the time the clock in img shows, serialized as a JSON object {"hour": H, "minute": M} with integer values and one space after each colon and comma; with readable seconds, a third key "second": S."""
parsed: {"hour": 1, "minute": 51, "second": 13}
